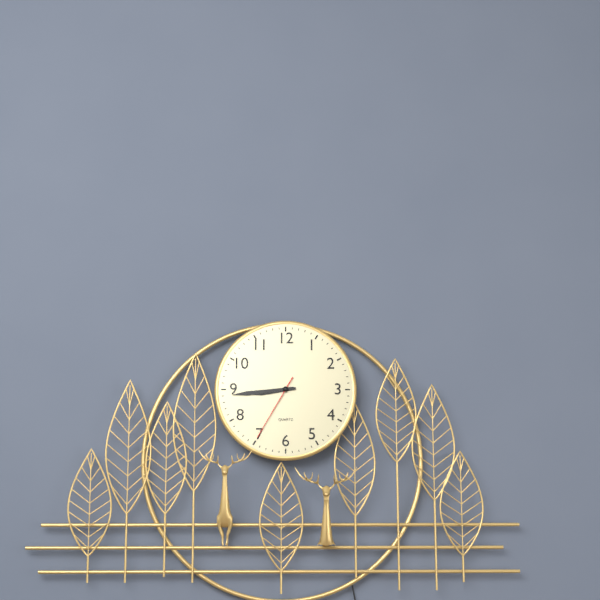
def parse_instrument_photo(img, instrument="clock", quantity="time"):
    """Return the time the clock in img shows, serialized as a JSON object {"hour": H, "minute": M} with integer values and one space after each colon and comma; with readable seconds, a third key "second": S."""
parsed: {"hour": 8, "minute": 44, "second": 35}
